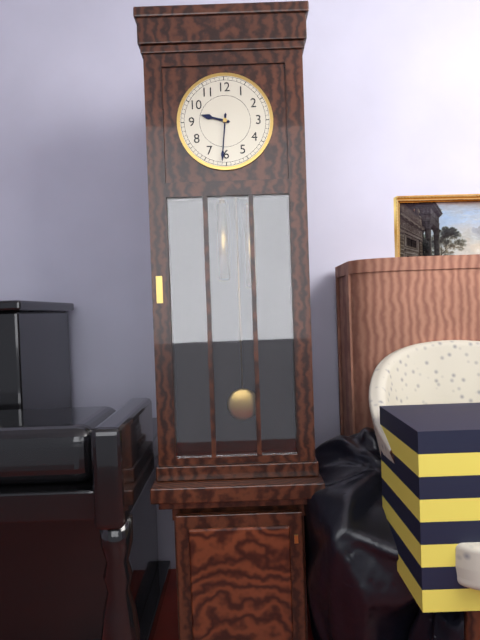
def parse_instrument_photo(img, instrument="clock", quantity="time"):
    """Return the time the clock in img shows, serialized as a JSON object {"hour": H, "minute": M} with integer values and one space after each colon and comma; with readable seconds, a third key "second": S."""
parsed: {"hour": 9, "minute": 31}
